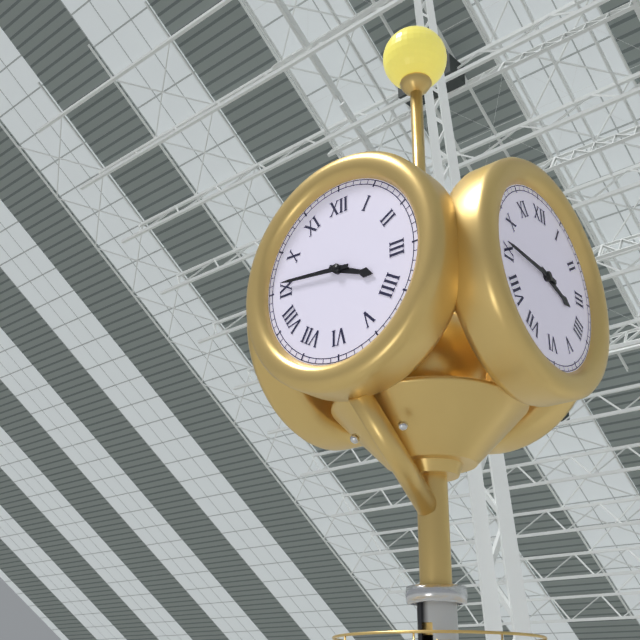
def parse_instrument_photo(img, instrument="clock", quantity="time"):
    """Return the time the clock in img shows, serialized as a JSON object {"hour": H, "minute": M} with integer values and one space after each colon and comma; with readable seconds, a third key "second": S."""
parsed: {"hour": 3, "minute": 46}
